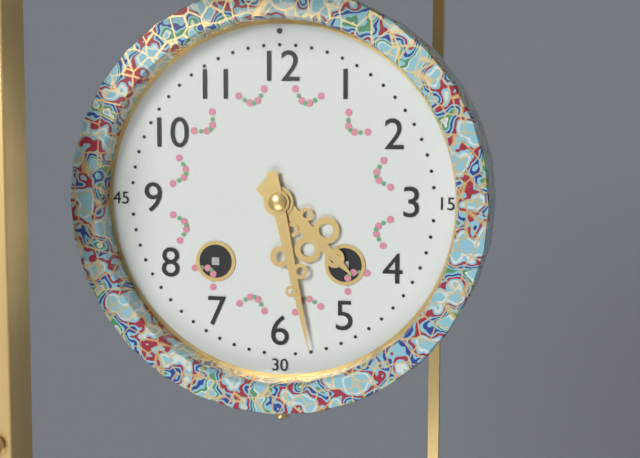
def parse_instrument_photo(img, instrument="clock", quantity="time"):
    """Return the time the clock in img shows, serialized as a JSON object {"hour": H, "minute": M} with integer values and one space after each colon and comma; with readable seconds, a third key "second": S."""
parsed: {"hour": 4, "minute": 28}
